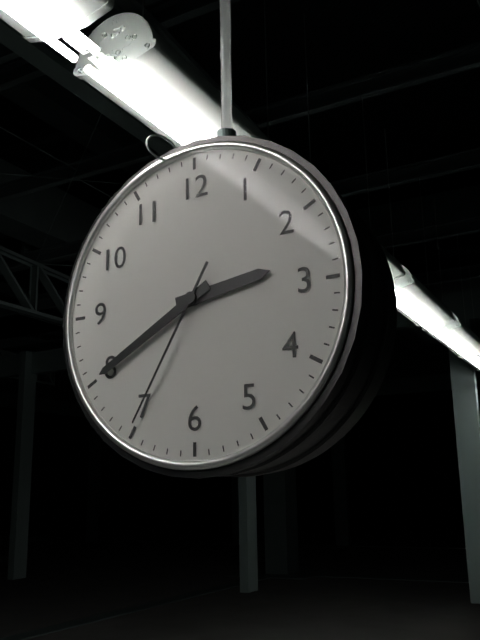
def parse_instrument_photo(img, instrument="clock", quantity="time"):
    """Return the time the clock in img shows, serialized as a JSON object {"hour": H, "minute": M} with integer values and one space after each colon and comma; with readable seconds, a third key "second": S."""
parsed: {"hour": 2, "minute": 40, "second": 35}
